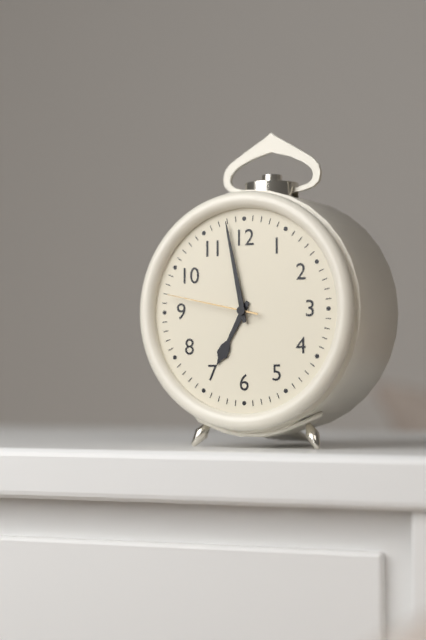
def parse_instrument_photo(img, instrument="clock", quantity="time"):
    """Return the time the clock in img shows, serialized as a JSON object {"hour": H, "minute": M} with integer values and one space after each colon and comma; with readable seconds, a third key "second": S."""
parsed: {"hour": 6, "minute": 58, "second": 47}
